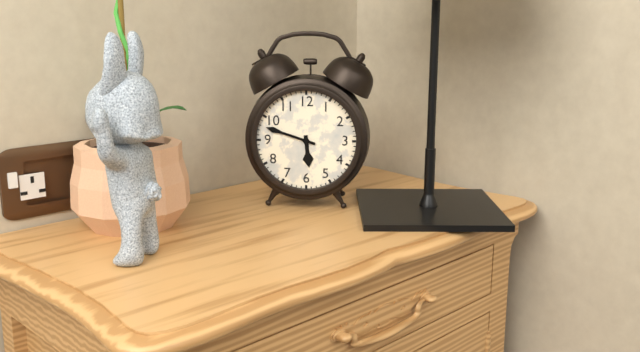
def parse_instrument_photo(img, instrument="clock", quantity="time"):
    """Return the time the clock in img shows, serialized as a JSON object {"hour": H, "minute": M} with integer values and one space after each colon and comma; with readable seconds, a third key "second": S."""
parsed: {"hour": 5, "minute": 48}
